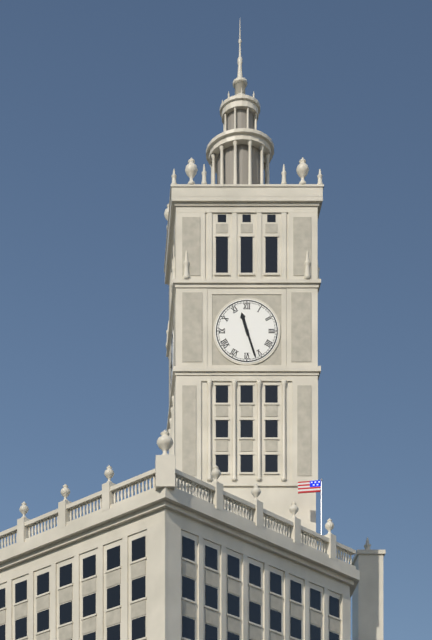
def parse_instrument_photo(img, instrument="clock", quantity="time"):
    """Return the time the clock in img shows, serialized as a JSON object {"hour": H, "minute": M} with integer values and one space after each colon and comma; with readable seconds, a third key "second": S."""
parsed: {"hour": 11, "minute": 27}
